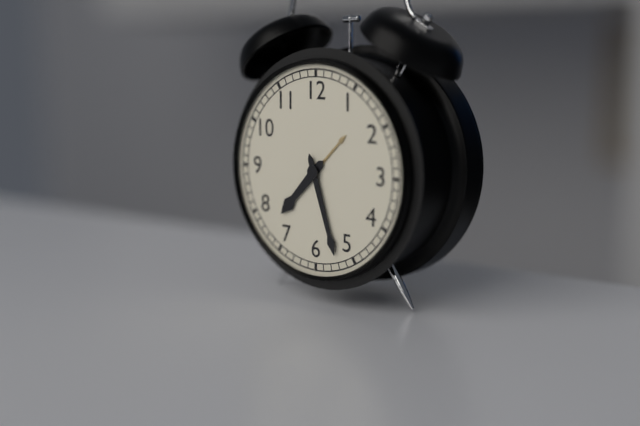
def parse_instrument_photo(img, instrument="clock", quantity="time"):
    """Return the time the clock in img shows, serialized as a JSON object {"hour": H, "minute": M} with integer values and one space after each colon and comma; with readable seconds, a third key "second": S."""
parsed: {"hour": 7, "minute": 27}
